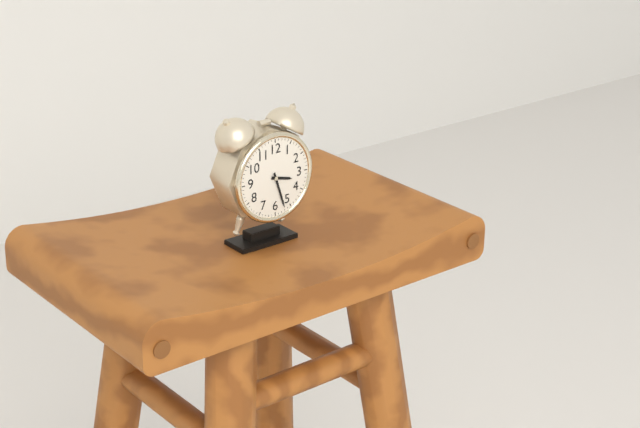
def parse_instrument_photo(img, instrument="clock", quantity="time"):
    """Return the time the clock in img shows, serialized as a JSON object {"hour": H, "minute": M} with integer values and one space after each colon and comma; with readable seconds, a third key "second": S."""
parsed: {"hour": 3, "minute": 27}
